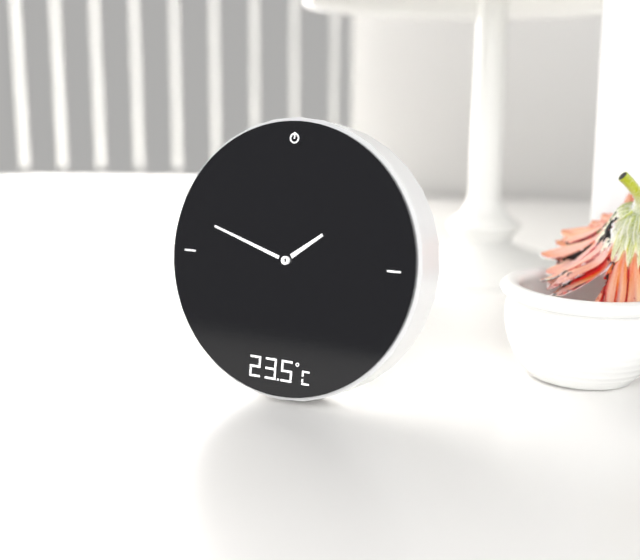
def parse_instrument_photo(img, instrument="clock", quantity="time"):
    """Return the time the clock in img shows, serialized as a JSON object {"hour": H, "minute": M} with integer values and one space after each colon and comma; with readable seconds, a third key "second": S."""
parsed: {"hour": 1, "minute": 48}
